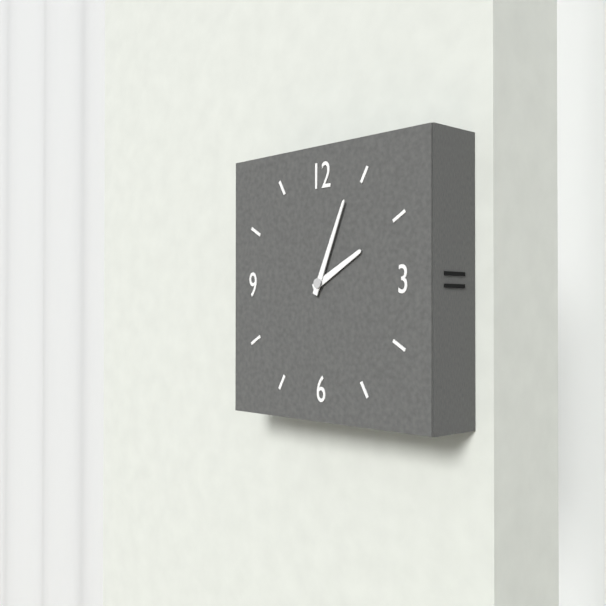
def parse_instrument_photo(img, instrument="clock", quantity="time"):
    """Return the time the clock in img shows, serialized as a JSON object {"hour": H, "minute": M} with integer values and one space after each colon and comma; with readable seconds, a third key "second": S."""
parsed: {"hour": 2, "minute": 4}
